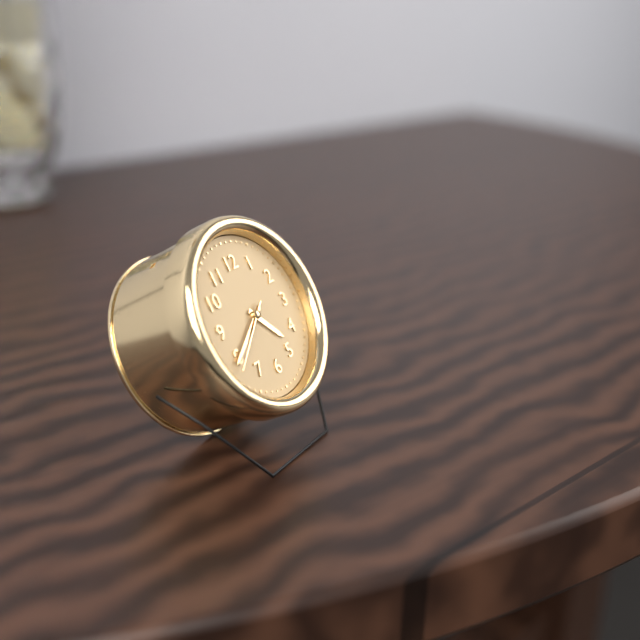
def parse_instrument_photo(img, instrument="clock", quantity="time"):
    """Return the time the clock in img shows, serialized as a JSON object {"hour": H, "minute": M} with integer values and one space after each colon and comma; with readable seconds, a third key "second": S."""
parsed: {"hour": 4, "minute": 40, "second": 39}
